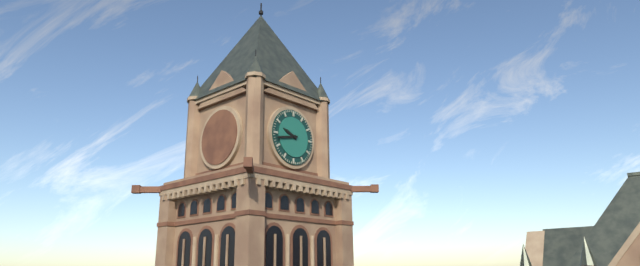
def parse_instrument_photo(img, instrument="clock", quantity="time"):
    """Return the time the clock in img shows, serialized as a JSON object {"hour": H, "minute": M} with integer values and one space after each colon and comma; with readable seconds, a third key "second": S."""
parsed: {"hour": 9, "minute": 43}
